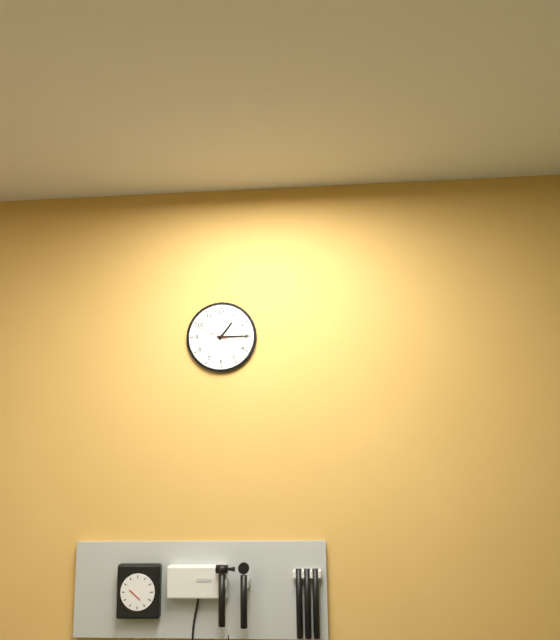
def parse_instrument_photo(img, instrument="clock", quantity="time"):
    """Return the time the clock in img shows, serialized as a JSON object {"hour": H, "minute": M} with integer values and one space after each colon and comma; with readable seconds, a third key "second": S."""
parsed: {"hour": 1, "minute": 15}
